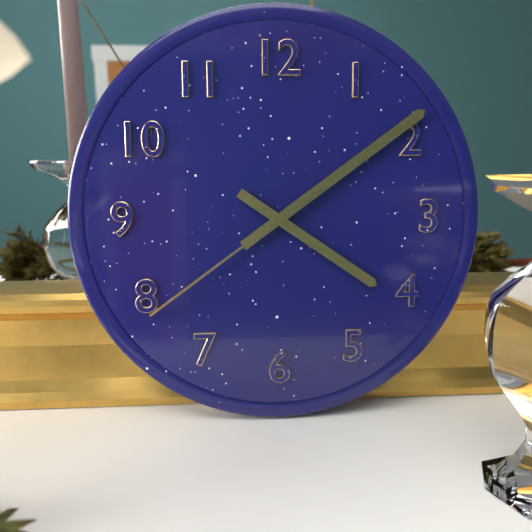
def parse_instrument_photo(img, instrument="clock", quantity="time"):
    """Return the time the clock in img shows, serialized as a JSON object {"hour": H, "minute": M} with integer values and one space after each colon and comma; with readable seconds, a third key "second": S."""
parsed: {"hour": 4, "minute": 9, "second": 39}
